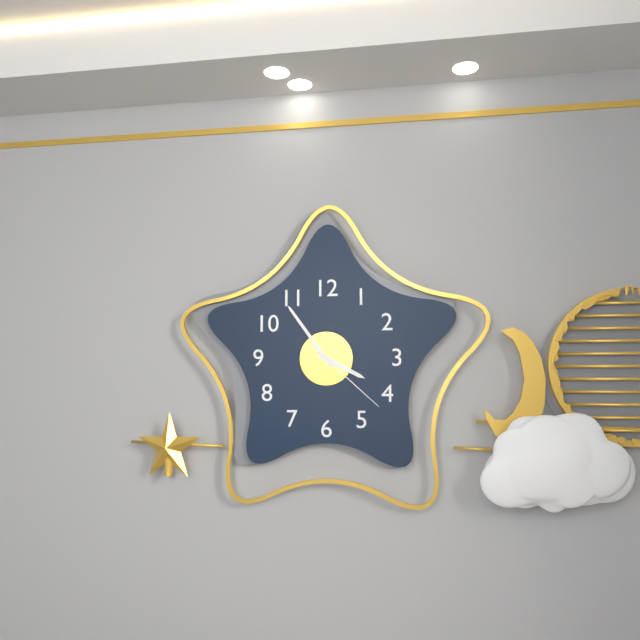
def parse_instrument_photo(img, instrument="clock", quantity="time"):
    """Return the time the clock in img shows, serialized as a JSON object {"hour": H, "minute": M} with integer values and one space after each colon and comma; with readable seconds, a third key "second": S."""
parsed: {"hour": 3, "minute": 54, "second": 22}
